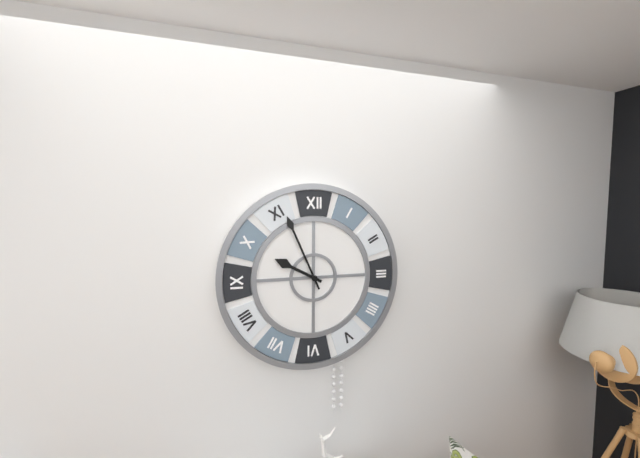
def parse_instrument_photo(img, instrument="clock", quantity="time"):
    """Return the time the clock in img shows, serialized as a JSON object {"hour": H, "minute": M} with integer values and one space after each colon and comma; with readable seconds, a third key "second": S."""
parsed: {"hour": 9, "minute": 56}
